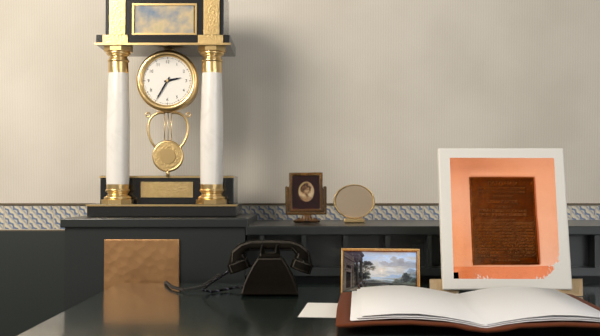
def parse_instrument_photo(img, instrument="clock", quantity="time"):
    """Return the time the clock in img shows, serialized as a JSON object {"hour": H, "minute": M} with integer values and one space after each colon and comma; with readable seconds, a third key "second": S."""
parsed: {"hour": 2, "minute": 35}
